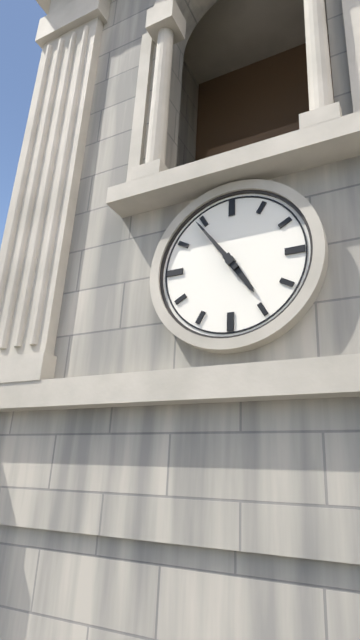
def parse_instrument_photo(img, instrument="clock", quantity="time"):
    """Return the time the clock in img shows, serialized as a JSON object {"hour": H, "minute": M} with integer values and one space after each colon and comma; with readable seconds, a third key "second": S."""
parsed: {"hour": 4, "minute": 54}
